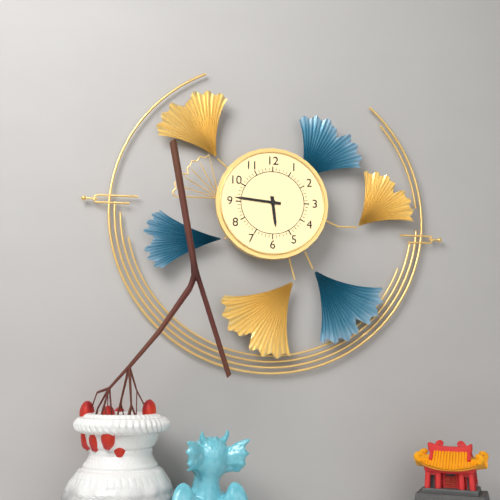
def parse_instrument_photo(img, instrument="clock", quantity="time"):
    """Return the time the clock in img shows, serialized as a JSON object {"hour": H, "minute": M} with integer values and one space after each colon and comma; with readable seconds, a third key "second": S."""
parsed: {"hour": 5, "minute": 46}
